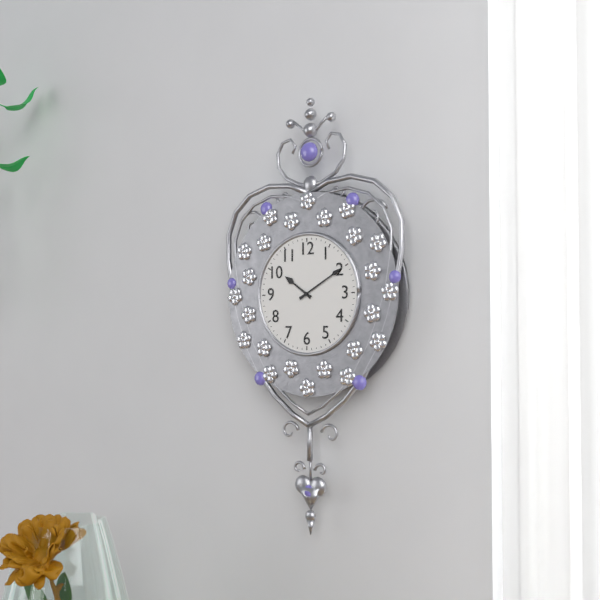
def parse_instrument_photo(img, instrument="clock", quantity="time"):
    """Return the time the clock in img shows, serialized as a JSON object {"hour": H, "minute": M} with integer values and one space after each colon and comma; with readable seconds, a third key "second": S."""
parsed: {"hour": 10, "minute": 10}
